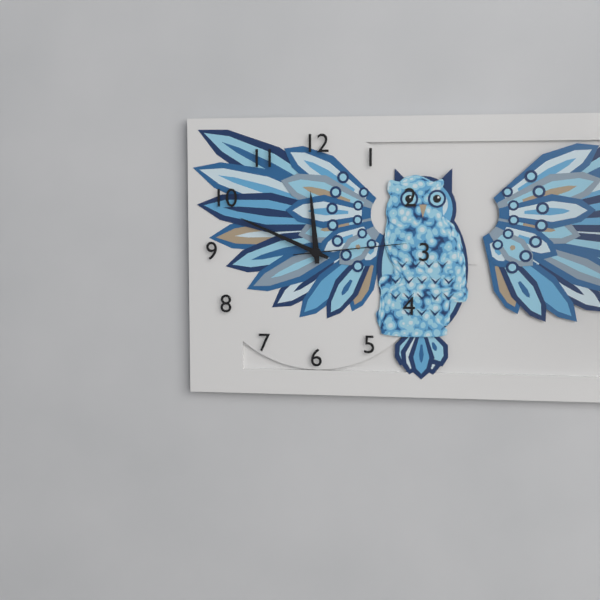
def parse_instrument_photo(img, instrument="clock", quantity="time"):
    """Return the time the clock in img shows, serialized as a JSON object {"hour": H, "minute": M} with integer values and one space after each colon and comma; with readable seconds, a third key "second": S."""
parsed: {"hour": 11, "minute": 49, "second": 14}
